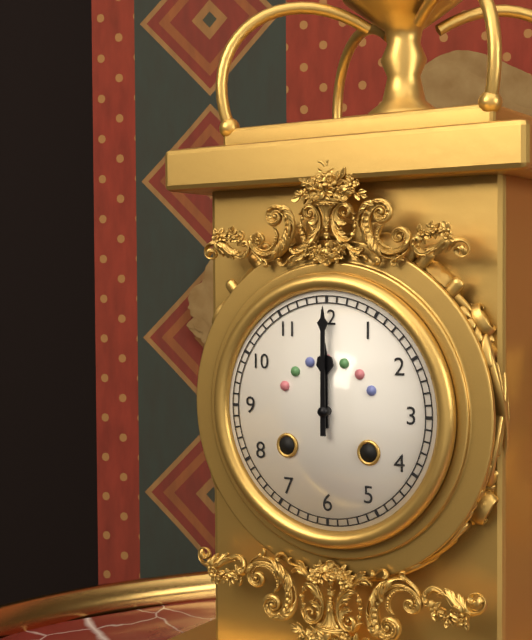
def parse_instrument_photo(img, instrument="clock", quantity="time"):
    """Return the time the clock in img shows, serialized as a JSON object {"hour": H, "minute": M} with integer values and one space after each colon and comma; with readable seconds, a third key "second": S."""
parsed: {"hour": 12, "minute": 0}
